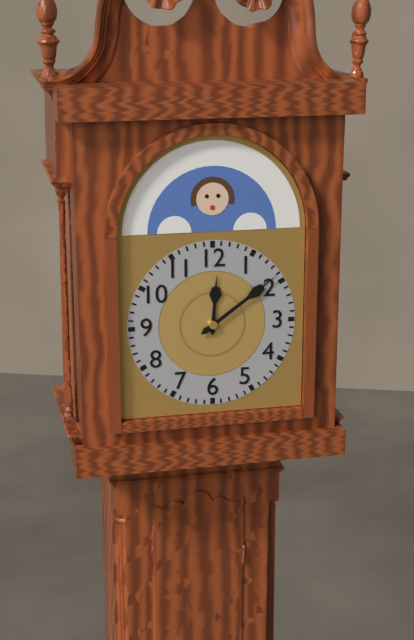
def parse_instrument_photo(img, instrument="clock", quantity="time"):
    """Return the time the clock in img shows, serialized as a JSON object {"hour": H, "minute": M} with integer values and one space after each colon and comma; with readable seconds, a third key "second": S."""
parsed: {"hour": 12, "minute": 9}
